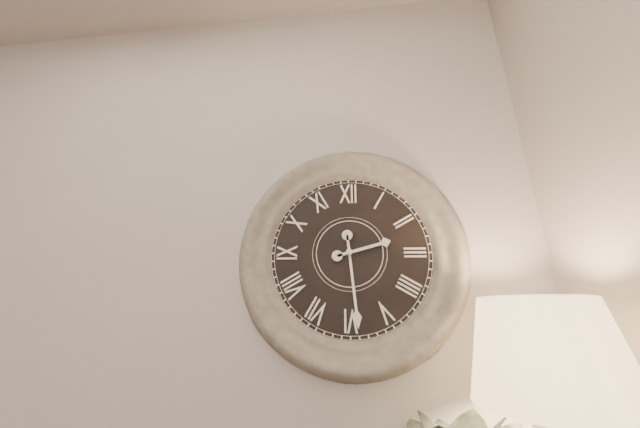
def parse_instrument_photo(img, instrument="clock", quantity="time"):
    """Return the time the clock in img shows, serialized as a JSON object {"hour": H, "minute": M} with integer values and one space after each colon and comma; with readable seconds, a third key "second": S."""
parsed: {"hour": 2, "minute": 29}
